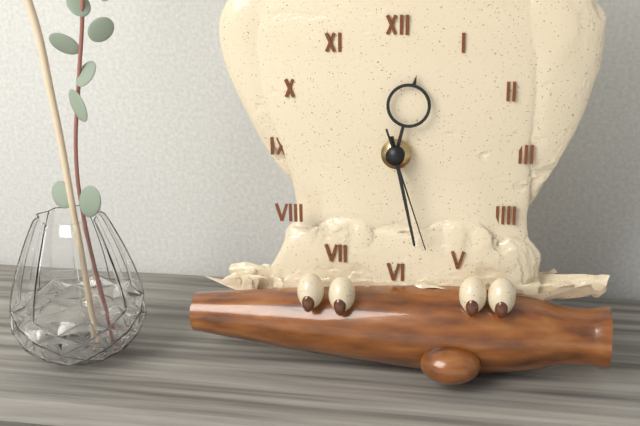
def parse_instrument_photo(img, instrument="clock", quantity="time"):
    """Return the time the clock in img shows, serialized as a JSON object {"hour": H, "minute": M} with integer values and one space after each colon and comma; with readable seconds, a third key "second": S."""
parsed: {"hour": 12, "minute": 28, "second": 27}
